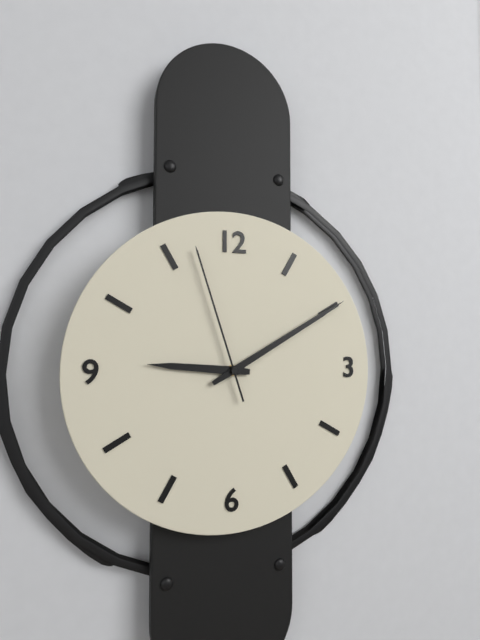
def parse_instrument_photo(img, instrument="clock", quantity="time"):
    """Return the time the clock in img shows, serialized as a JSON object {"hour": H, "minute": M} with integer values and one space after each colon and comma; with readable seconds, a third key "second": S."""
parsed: {"hour": 9, "minute": 10, "second": 57}
